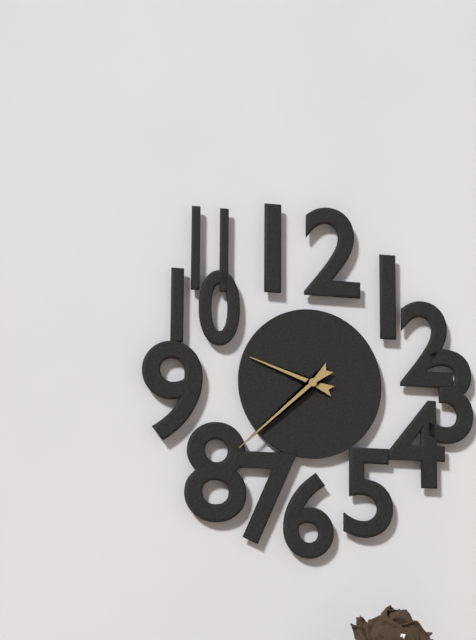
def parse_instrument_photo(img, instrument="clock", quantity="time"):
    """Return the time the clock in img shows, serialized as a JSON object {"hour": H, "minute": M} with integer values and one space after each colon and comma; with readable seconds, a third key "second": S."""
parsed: {"hour": 9, "minute": 38}
